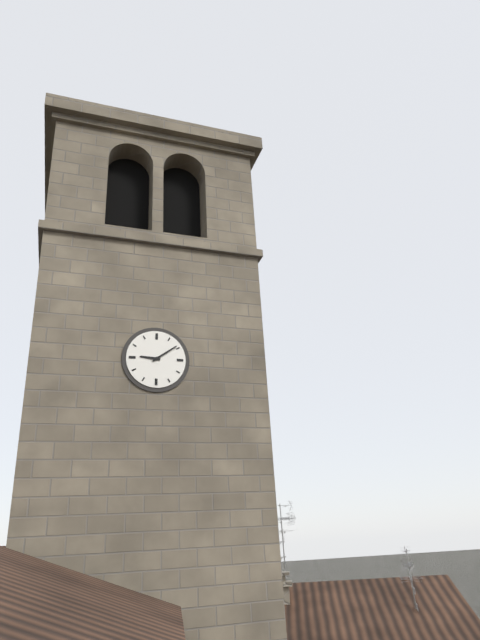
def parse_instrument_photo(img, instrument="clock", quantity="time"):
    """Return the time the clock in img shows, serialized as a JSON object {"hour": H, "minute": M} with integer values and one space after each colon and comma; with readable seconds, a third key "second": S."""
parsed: {"hour": 9, "minute": 9}
